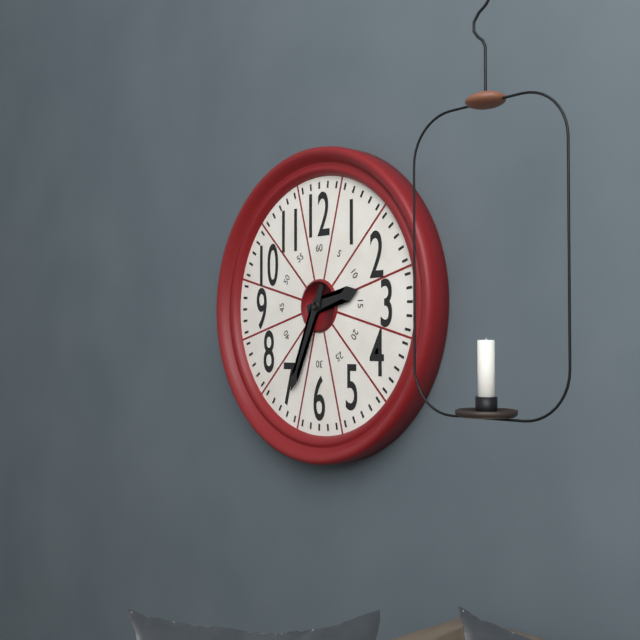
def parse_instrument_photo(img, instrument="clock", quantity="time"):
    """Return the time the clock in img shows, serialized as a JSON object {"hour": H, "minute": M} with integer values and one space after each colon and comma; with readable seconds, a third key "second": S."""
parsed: {"hour": 2, "minute": 34}
